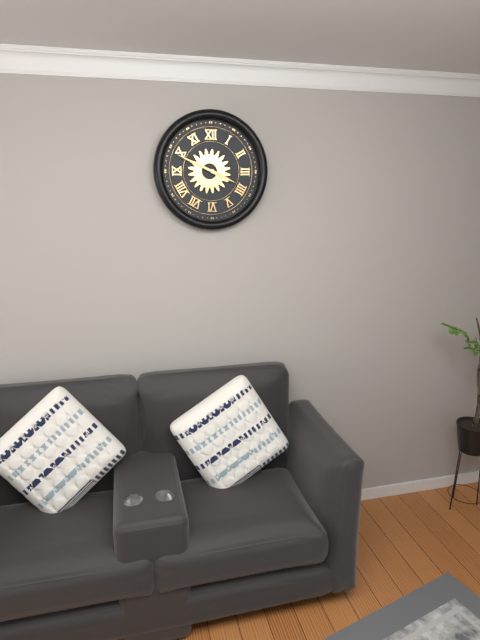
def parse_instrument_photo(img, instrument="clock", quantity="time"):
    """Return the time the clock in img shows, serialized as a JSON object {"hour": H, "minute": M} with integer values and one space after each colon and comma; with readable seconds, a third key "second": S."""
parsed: {"hour": 3, "minute": 49}
